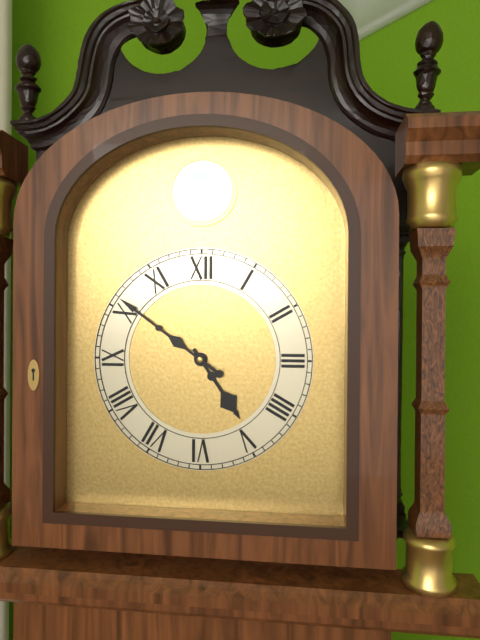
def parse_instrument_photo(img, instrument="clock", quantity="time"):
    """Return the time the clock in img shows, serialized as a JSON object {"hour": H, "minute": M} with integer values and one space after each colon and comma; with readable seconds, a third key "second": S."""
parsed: {"hour": 4, "minute": 51}
